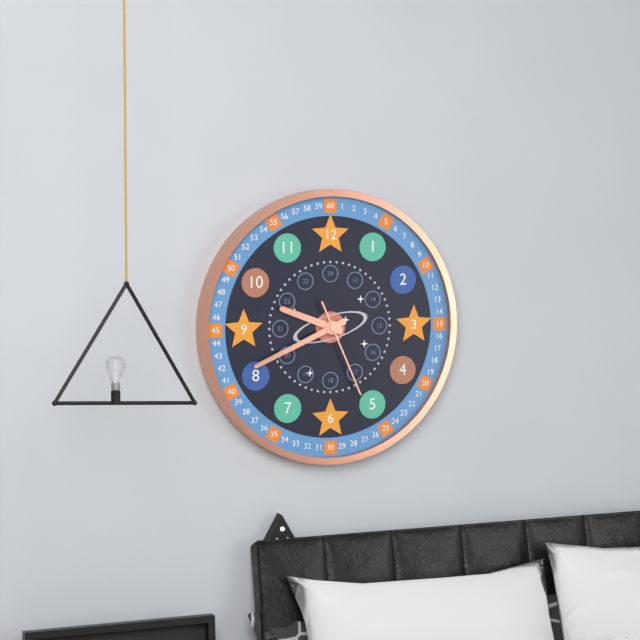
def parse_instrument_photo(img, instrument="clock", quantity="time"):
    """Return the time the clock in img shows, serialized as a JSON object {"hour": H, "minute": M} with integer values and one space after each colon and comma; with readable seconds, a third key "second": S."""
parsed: {"hour": 9, "minute": 41, "second": 26}
